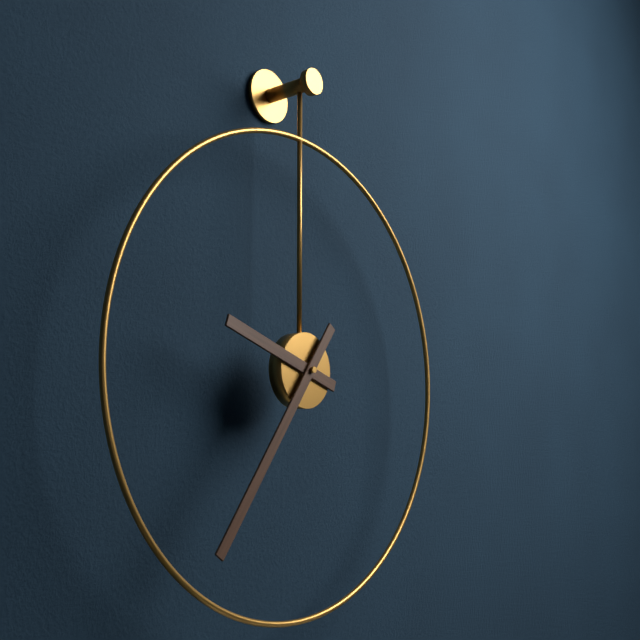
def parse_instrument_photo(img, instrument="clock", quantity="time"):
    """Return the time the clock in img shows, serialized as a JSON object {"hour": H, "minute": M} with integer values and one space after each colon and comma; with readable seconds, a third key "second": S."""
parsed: {"hour": 9, "minute": 36}
